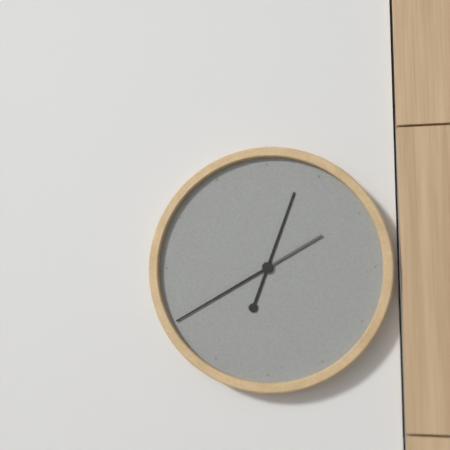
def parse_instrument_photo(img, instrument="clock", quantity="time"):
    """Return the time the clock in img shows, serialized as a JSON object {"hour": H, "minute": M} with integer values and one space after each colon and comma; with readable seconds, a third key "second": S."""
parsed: {"hour": 12, "minute": 40}
